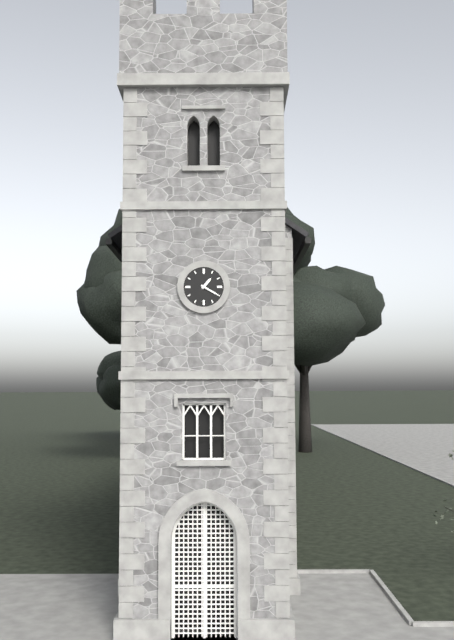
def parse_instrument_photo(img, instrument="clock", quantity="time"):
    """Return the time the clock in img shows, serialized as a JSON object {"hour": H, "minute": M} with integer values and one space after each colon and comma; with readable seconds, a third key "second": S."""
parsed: {"hour": 1, "minute": 20}
